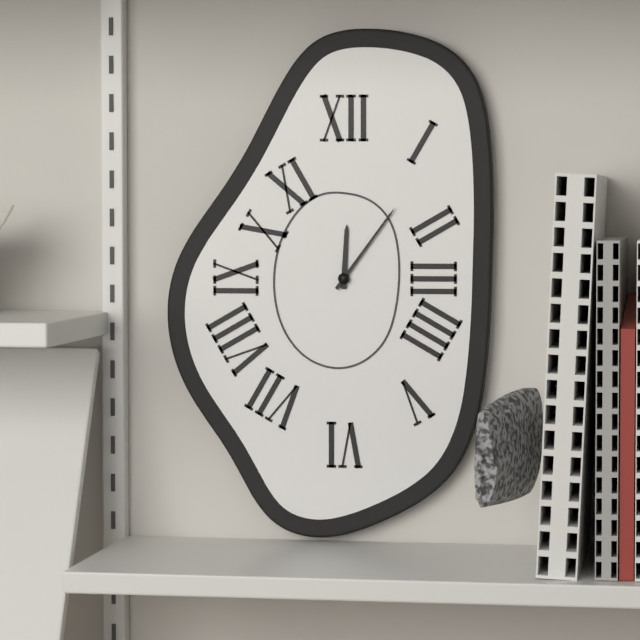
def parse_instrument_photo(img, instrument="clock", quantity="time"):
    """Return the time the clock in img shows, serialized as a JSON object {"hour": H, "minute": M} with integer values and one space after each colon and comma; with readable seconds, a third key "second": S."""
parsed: {"hour": 12, "minute": 6}
